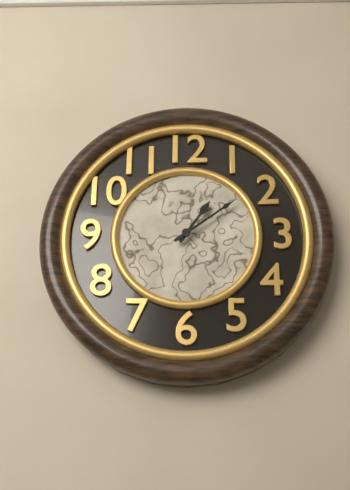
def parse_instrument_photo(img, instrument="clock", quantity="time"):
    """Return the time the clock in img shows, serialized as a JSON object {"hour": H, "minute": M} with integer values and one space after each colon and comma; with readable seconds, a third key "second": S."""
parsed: {"hour": 1, "minute": 9}
